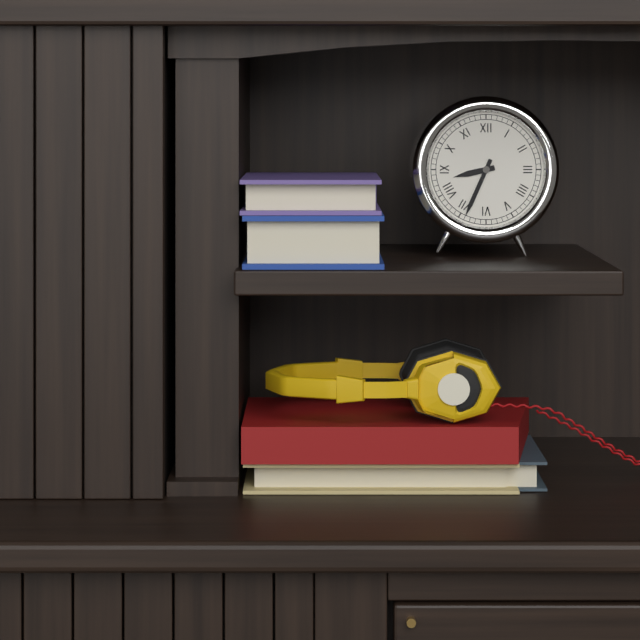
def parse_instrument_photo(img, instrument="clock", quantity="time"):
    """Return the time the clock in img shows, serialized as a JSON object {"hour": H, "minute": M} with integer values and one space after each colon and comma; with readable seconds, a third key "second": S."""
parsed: {"hour": 8, "minute": 34}
